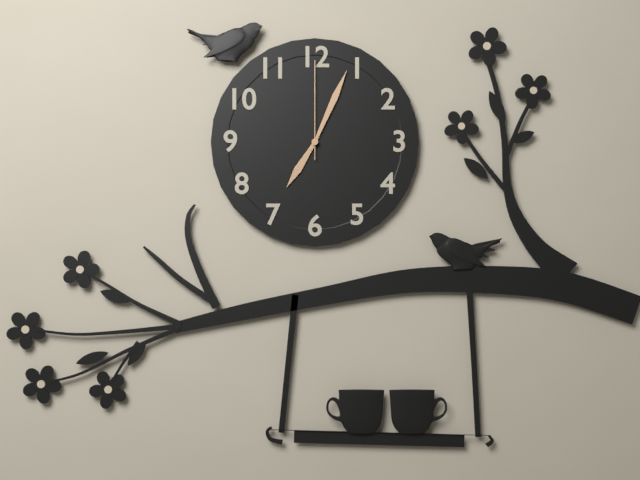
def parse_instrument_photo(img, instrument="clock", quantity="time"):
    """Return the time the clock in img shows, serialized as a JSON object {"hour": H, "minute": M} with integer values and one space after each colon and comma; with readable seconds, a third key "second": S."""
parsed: {"hour": 7, "minute": 4, "second": 0}
